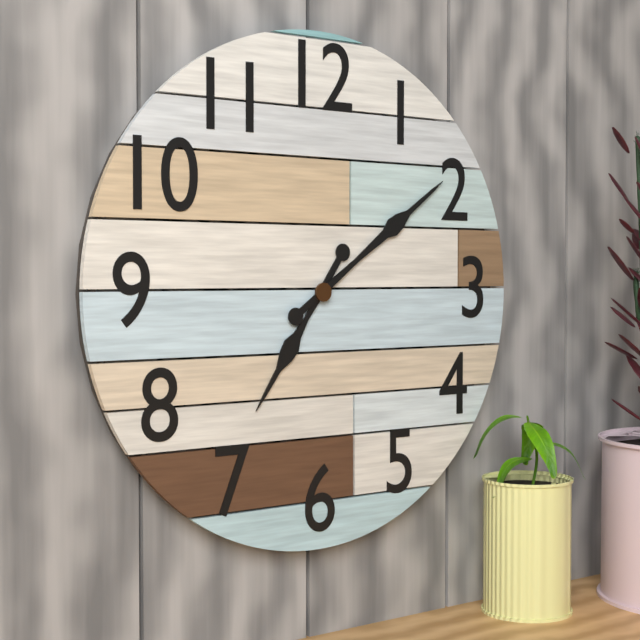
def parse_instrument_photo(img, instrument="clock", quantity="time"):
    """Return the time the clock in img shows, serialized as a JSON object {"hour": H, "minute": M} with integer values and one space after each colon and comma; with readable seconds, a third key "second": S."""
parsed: {"hour": 7, "minute": 9}
